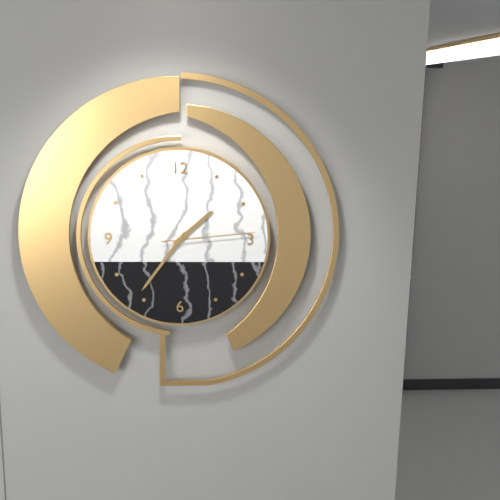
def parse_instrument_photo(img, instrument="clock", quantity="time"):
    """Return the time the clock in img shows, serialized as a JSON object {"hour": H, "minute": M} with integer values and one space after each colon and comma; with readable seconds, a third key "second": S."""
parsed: {"hour": 1, "minute": 36, "second": 14}
